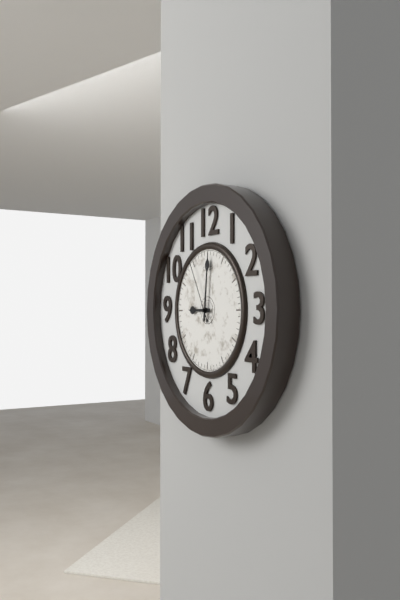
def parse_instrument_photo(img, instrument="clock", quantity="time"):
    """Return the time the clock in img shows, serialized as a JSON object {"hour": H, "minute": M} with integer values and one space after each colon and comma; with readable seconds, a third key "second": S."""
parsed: {"hour": 9, "minute": 1, "second": 55}
